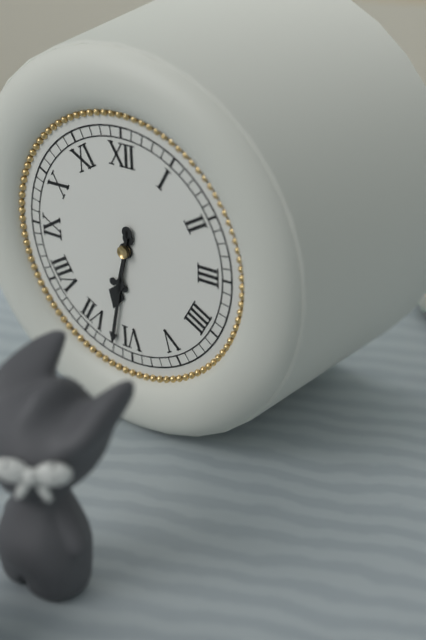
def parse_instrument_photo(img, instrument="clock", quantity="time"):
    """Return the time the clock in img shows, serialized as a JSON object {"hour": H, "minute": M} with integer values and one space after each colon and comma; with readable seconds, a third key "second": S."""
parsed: {"hour": 6, "minute": 32}
